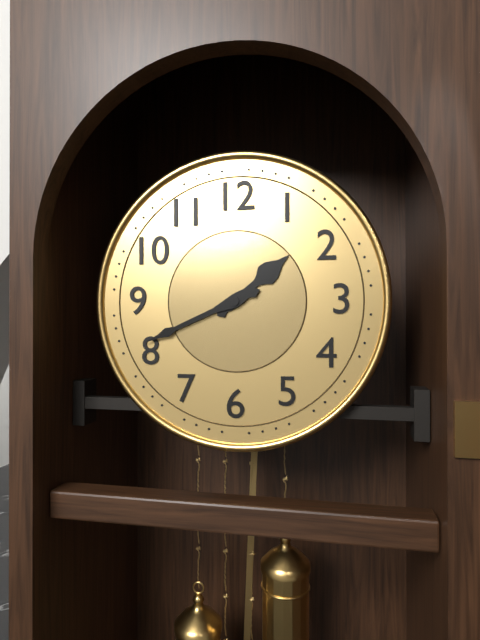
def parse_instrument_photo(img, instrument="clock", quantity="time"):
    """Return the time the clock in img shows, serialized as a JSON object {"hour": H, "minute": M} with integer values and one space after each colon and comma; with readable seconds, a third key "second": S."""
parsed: {"hour": 1, "minute": 41}
